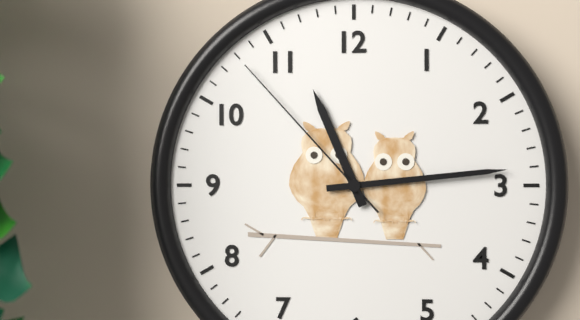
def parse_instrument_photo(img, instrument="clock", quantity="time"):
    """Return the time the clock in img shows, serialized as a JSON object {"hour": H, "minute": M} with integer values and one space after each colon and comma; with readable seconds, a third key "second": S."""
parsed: {"hour": 11, "minute": 14, "second": 53}
